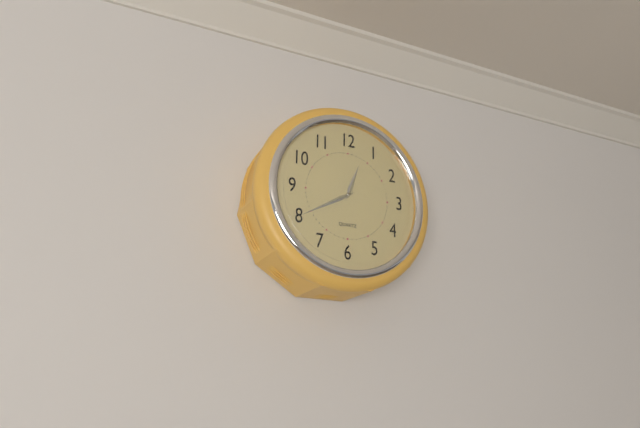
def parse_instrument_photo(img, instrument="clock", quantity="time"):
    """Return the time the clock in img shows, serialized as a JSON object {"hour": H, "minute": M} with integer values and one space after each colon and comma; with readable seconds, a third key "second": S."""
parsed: {"hour": 12, "minute": 40}
